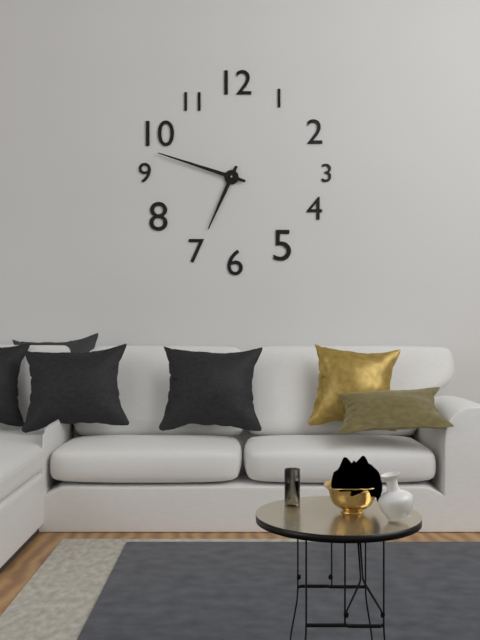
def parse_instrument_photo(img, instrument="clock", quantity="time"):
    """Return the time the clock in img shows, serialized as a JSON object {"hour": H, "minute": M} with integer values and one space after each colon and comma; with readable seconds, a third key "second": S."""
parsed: {"hour": 6, "minute": 48}
